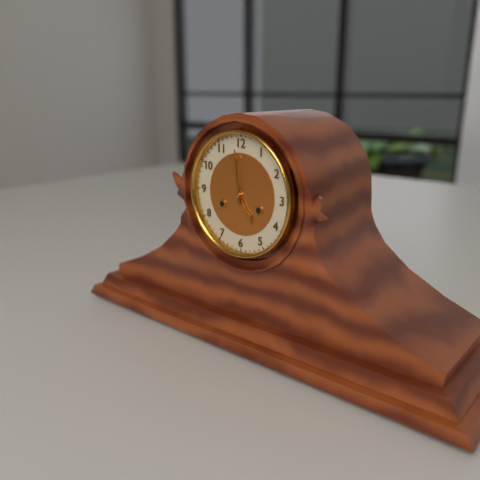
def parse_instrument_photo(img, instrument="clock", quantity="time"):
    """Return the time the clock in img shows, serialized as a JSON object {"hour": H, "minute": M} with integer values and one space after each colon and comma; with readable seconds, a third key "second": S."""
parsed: {"hour": 4, "minute": 59}
